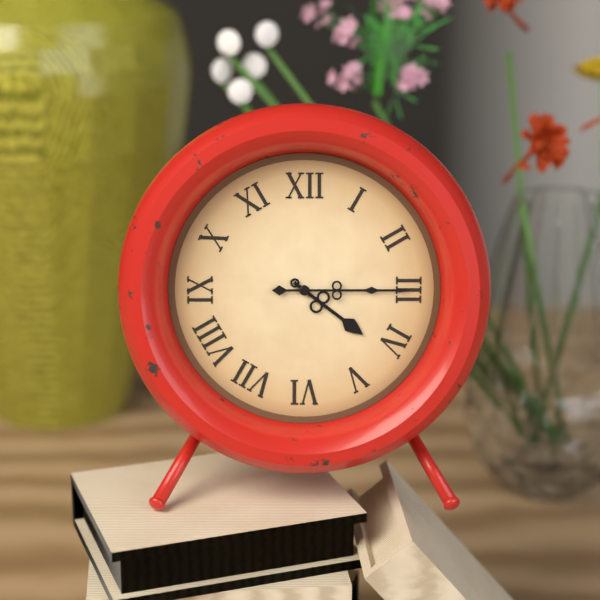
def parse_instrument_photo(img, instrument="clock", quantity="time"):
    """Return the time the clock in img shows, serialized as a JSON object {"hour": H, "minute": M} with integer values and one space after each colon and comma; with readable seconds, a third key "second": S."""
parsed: {"hour": 4, "minute": 15}
